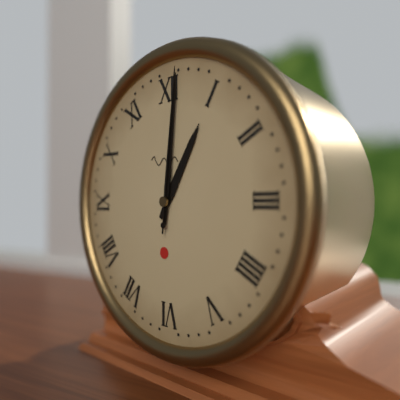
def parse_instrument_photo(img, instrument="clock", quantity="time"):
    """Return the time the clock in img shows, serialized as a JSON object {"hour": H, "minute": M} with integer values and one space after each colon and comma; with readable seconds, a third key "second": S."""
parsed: {"hour": 1, "minute": 1, "second": 1}
